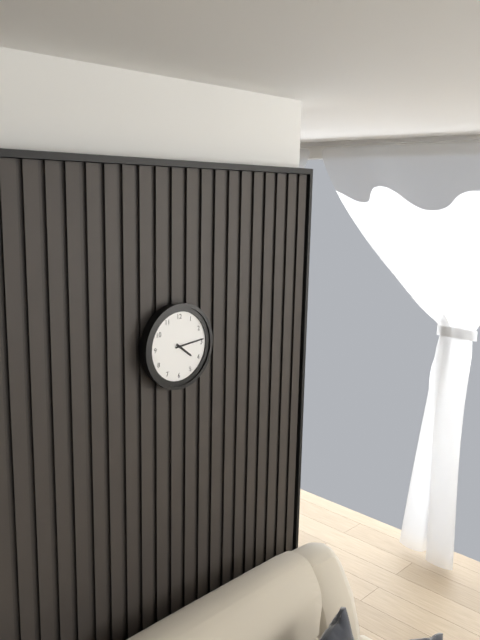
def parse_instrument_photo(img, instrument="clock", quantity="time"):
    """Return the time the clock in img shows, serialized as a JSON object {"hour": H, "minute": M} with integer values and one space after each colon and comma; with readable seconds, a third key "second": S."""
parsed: {"hour": 4, "minute": 14}
